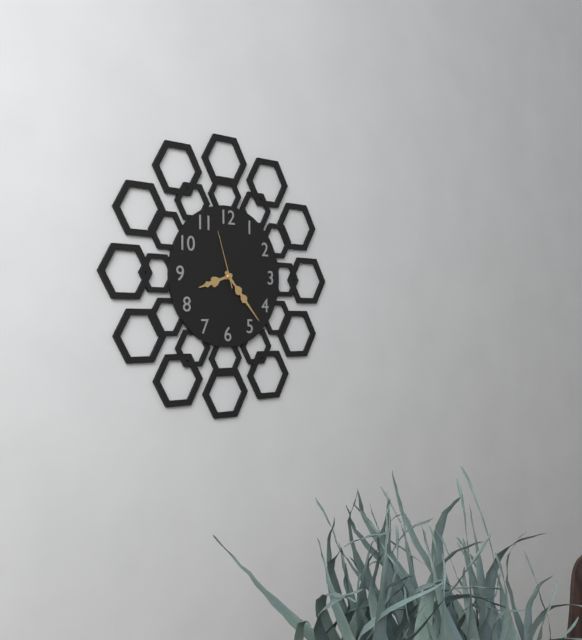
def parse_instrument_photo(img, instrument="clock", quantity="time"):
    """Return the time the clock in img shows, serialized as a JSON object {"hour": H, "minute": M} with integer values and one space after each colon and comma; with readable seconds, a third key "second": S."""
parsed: {"hour": 8, "minute": 23, "second": 57}
